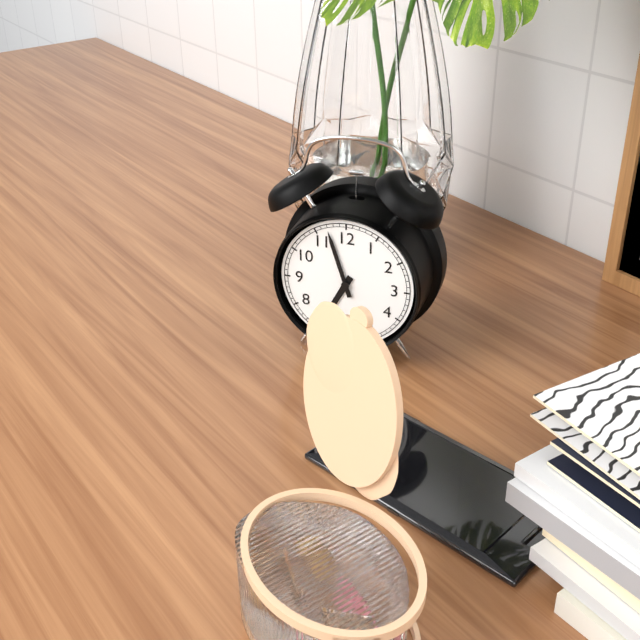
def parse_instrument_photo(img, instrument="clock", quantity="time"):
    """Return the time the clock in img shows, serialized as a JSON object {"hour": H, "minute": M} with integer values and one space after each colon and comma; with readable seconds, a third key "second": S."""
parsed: {"hour": 6, "minute": 57}
